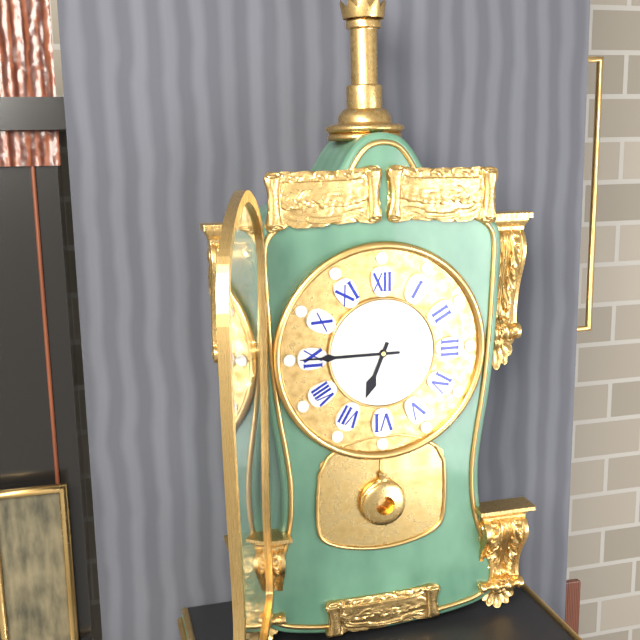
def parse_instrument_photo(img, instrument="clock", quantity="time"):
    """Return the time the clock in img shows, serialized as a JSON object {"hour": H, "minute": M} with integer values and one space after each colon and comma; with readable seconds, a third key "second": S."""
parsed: {"hour": 6, "minute": 45}
